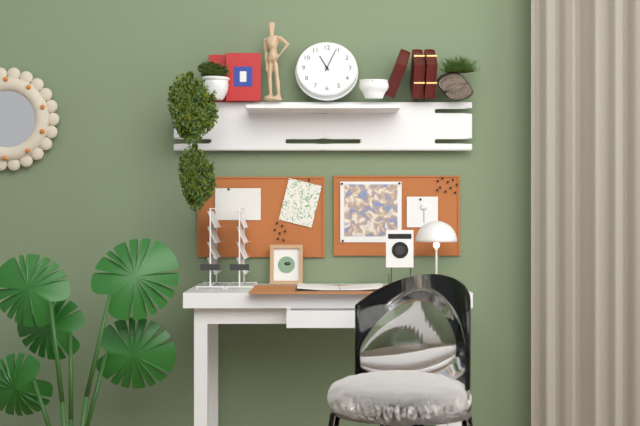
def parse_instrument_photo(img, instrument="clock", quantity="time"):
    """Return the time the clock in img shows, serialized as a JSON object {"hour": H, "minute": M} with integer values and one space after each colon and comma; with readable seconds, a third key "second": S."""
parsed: {"hour": 11, "minute": 4}
